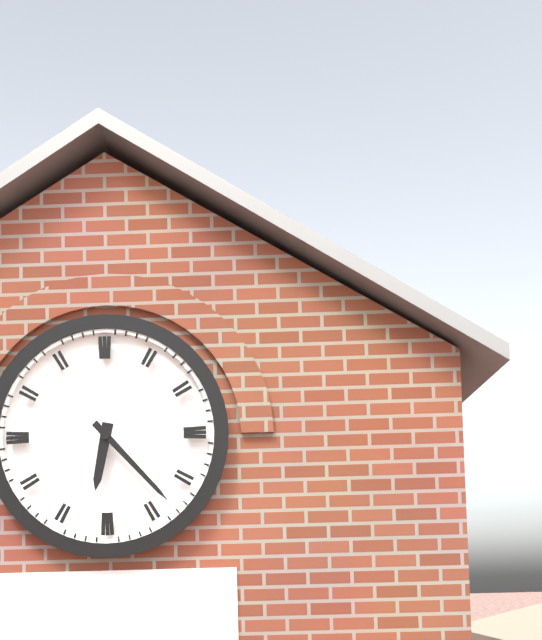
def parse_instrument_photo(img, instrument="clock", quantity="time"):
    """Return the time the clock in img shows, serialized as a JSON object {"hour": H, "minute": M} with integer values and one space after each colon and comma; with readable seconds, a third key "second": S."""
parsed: {"hour": 6, "minute": 23}
